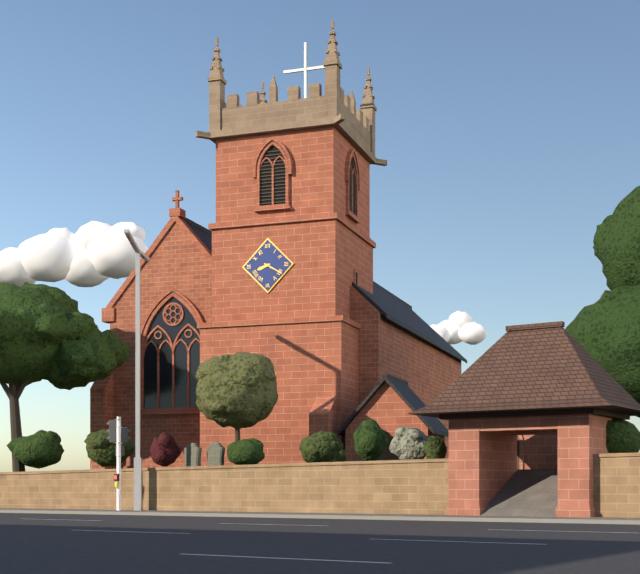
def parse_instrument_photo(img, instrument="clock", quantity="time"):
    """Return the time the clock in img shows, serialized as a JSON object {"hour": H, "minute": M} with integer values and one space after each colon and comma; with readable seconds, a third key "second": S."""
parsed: {"hour": 8, "minute": 20}
